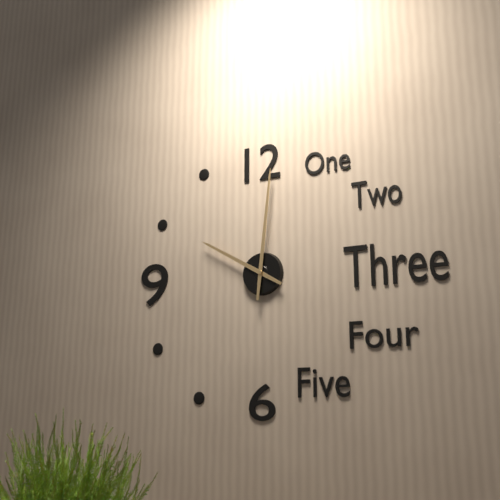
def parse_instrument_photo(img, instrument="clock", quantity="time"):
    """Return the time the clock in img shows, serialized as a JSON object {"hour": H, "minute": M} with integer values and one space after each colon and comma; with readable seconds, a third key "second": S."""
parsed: {"hour": 10, "minute": 1}
